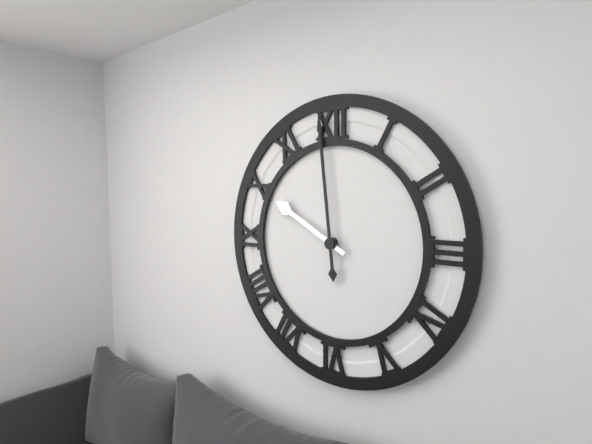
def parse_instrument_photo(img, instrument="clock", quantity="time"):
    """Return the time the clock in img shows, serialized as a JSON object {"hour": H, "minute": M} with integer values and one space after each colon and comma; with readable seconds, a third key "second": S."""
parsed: {"hour": 9, "minute": 59}
